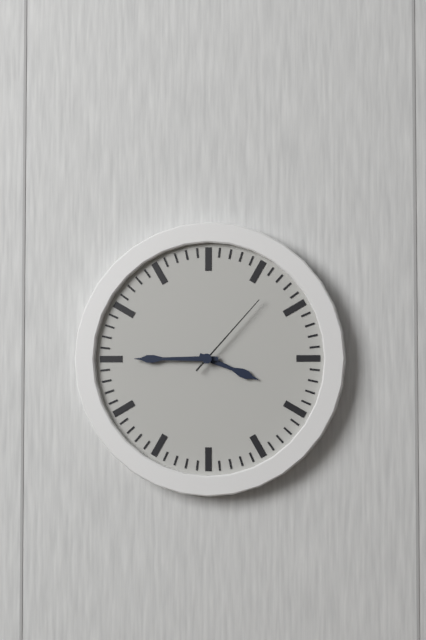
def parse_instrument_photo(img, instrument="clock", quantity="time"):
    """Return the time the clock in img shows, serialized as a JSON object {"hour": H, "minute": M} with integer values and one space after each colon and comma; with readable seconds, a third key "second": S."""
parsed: {"hour": 3, "minute": 45, "second": 7}
